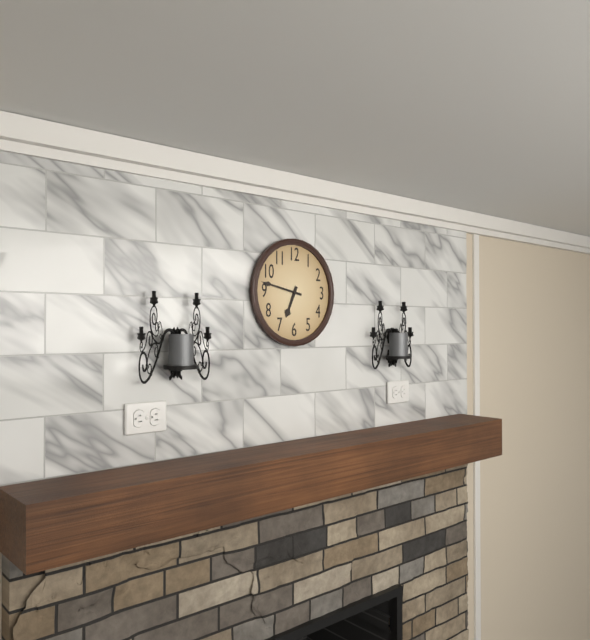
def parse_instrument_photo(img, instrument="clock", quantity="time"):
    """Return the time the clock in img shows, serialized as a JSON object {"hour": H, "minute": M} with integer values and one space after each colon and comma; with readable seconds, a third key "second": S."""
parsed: {"hour": 6, "minute": 47}
